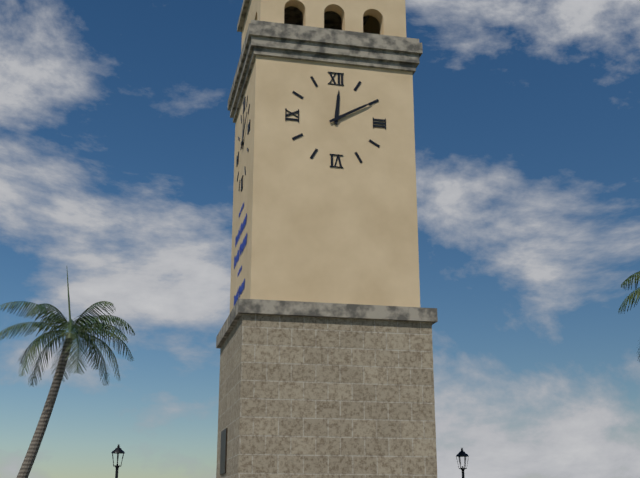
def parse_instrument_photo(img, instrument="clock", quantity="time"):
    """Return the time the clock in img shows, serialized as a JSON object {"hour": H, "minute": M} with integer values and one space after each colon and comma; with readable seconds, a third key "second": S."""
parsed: {"hour": 12, "minute": 10}
